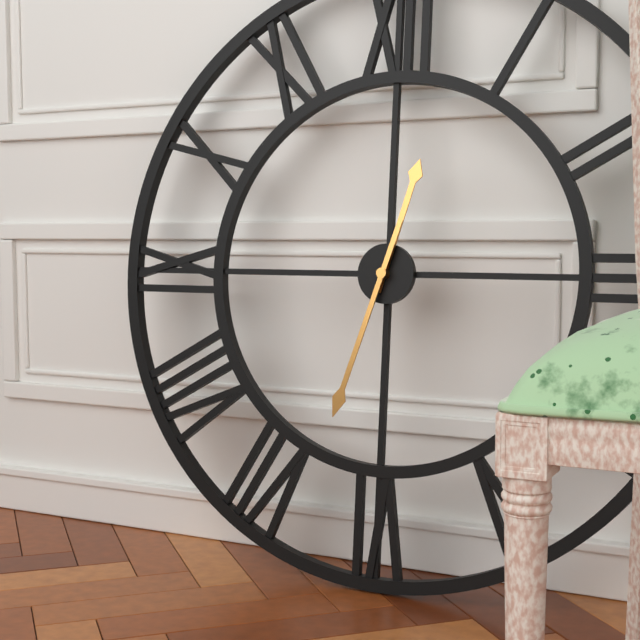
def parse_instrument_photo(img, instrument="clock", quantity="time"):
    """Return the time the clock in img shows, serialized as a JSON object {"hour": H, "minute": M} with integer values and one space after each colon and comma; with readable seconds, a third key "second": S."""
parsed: {"hour": 12, "minute": 33}
